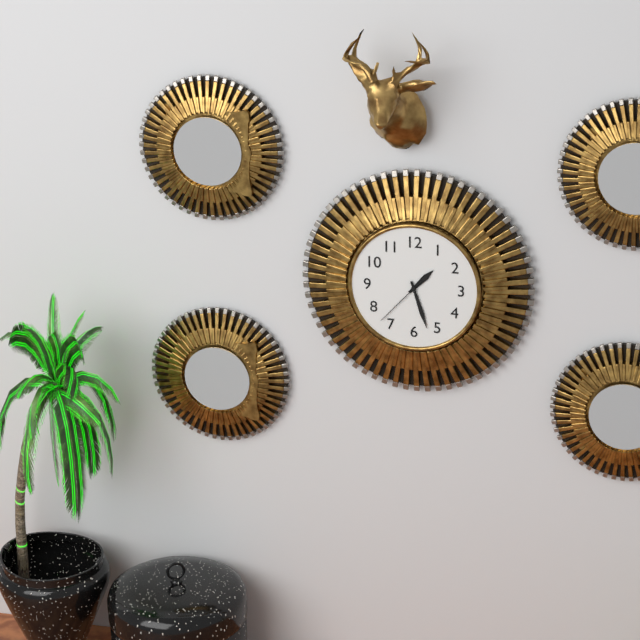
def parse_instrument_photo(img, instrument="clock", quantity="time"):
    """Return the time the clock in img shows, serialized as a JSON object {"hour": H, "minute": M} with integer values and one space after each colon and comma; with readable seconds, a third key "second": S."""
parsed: {"hour": 1, "minute": 27, "second": 37}
